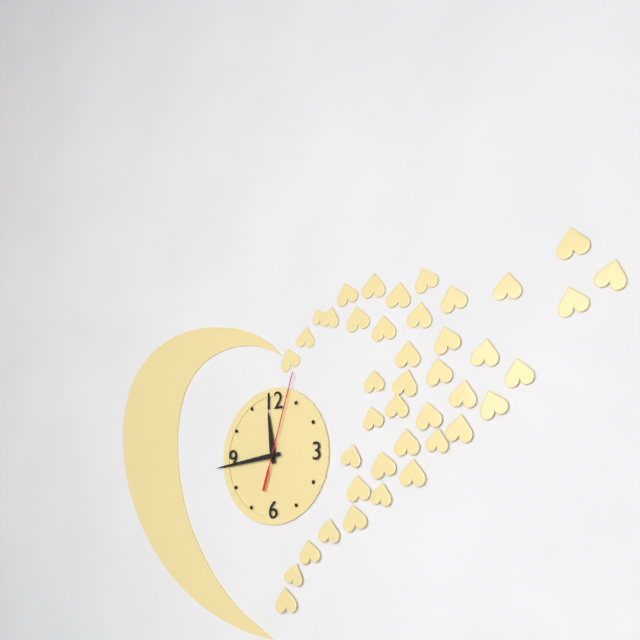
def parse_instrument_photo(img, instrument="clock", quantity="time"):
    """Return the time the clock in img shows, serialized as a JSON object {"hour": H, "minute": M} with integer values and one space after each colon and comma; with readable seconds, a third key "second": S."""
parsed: {"hour": 11, "minute": 44, "second": 3}
